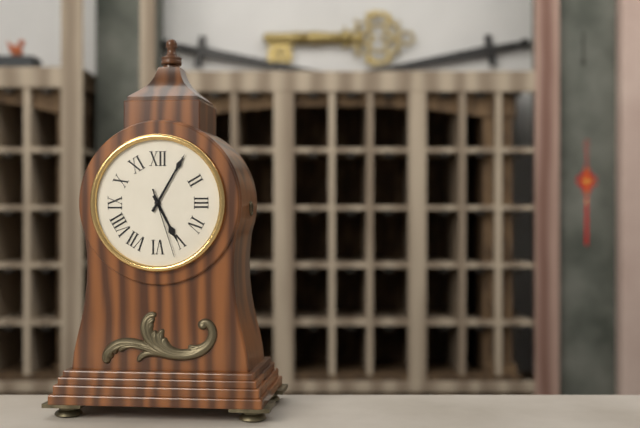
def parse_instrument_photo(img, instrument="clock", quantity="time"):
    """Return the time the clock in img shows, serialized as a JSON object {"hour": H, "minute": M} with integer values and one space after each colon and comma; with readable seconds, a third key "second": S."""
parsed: {"hour": 5, "minute": 5, "second": 27}
